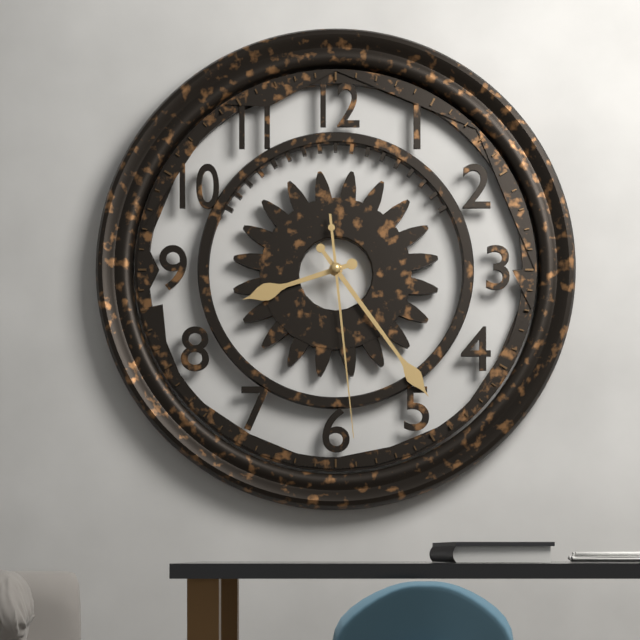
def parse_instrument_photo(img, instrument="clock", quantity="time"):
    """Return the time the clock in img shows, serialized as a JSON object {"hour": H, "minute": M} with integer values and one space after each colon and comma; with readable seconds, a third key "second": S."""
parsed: {"hour": 8, "minute": 24, "second": 29}
